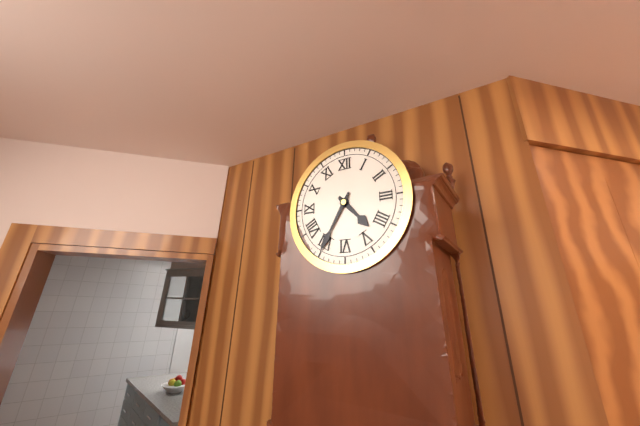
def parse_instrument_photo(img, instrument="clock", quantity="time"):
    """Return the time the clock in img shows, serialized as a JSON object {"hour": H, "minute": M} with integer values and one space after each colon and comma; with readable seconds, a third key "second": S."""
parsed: {"hour": 4, "minute": 35}
